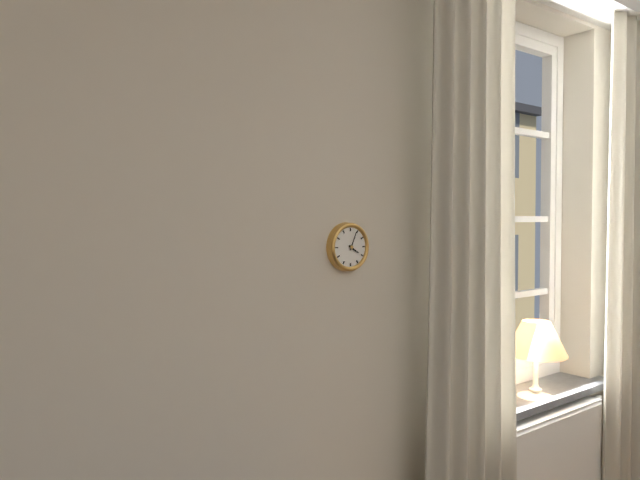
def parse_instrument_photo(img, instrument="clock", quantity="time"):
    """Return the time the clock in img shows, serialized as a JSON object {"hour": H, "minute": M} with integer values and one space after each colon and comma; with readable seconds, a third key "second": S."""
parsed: {"hour": 4, "minute": 4}
